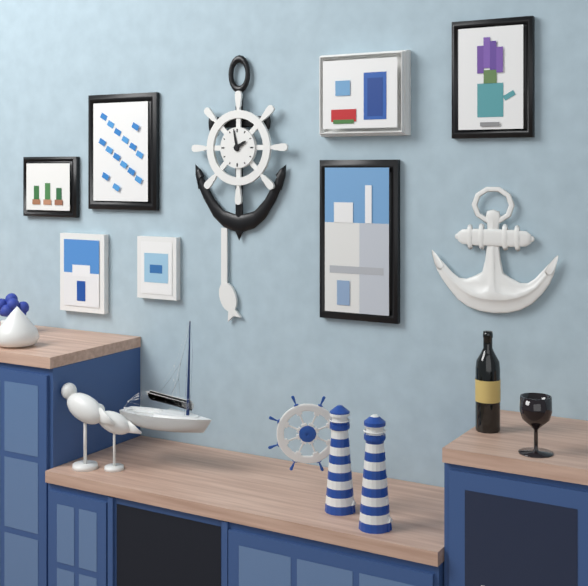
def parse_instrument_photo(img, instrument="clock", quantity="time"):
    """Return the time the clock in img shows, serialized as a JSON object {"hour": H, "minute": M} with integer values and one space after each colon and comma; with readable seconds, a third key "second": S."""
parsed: {"hour": 1, "minute": 58}
